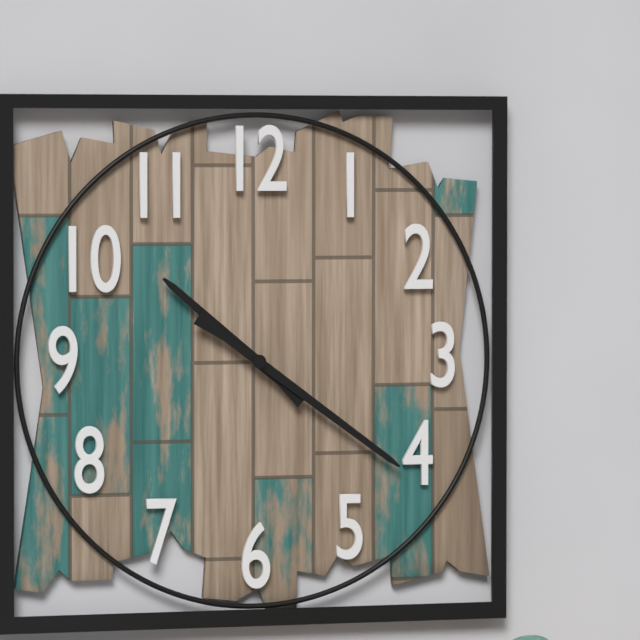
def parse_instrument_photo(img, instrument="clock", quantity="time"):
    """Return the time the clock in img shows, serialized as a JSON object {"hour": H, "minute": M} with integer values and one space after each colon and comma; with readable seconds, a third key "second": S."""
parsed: {"hour": 10, "minute": 21}
